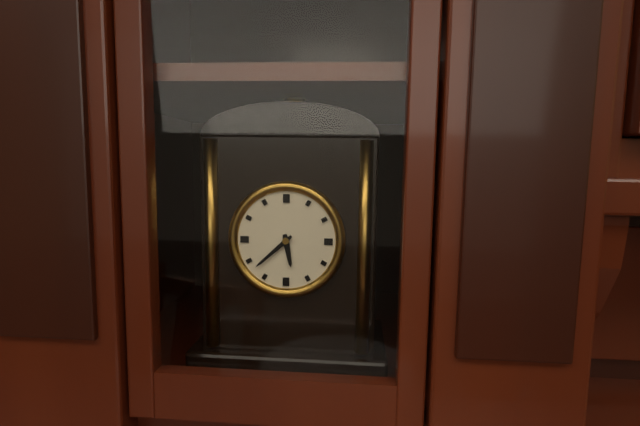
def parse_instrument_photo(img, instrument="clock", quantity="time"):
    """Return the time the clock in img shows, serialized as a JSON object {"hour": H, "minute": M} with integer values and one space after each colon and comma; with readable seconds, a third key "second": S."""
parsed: {"hour": 5, "minute": 38}
